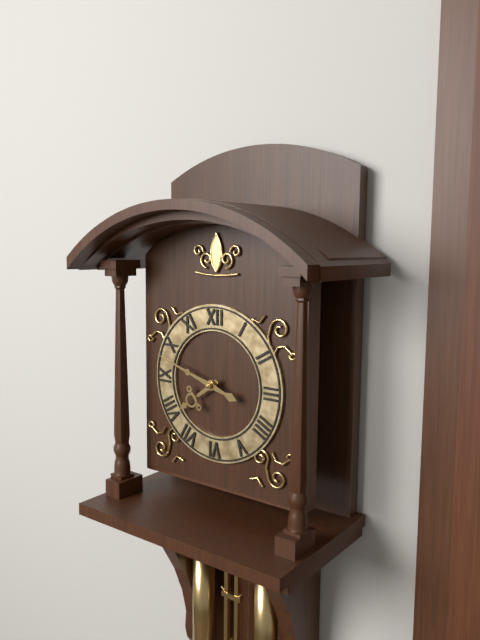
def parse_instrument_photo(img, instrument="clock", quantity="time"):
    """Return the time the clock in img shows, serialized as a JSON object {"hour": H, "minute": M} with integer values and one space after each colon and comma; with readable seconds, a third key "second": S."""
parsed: {"hour": 7, "minute": 48}
